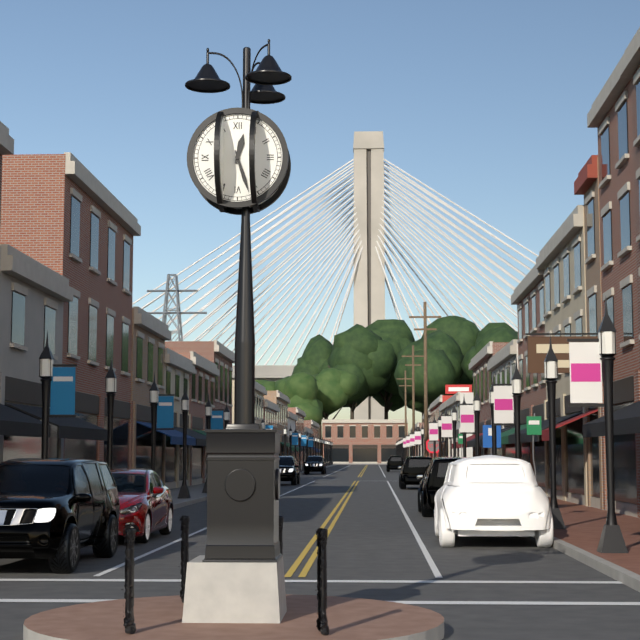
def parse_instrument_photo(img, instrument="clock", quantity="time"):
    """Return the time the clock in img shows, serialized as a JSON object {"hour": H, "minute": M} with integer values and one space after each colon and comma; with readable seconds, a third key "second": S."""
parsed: {"hour": 12, "minute": 27}
